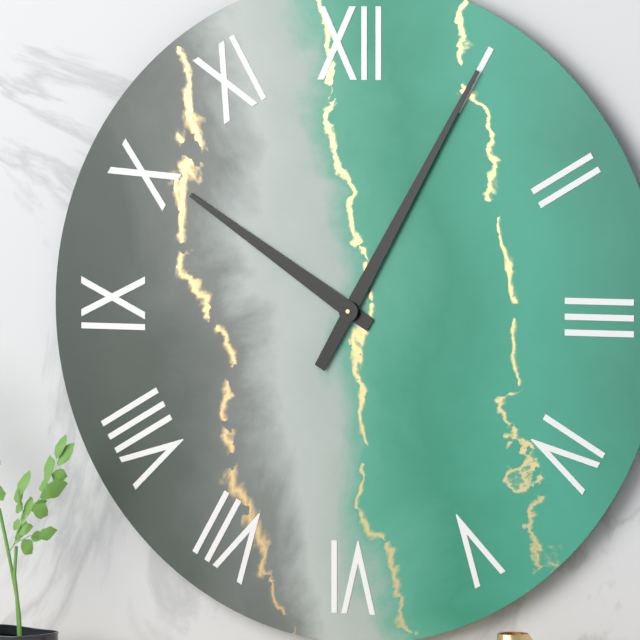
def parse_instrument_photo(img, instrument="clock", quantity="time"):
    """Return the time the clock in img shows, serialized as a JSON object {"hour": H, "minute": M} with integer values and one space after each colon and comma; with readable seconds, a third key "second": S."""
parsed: {"hour": 10, "minute": 5}
